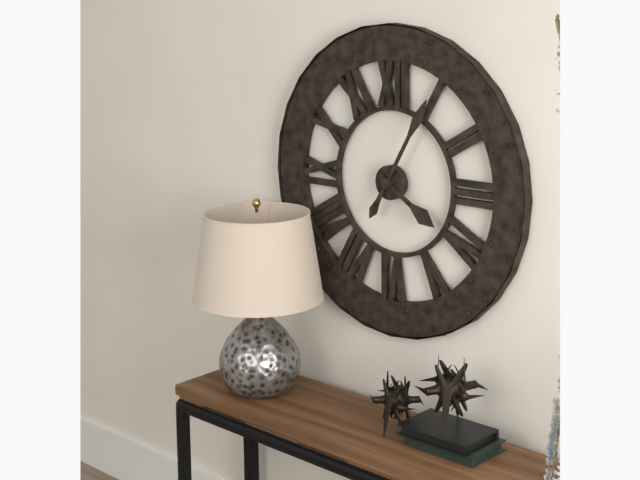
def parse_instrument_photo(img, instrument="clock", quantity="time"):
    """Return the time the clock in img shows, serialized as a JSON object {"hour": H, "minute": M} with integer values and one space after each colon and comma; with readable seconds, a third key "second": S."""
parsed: {"hour": 4, "minute": 5}
